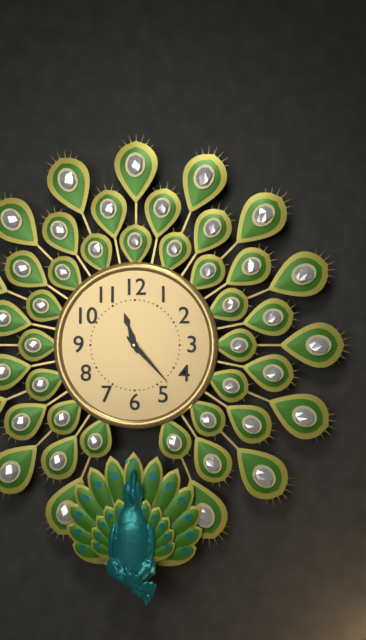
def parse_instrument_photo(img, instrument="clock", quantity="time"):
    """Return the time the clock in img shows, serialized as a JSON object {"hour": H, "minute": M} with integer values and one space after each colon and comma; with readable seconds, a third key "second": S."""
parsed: {"hour": 11, "minute": 23}
